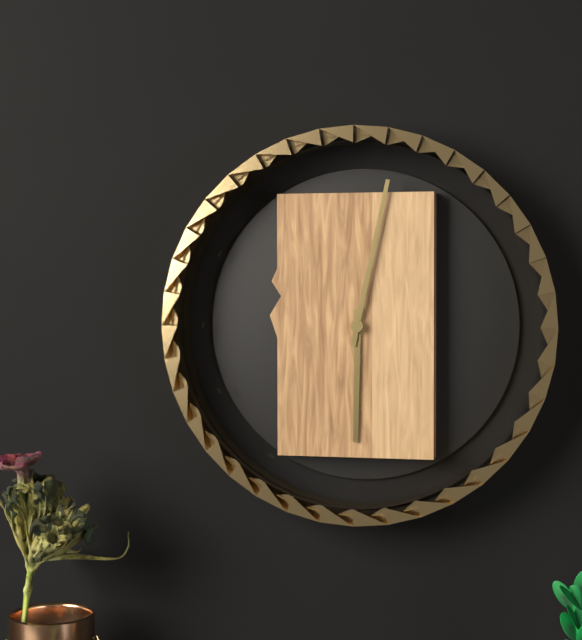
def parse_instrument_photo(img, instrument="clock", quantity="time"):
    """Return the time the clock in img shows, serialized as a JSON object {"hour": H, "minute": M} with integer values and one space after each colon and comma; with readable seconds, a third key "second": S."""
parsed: {"hour": 6, "minute": 2}
